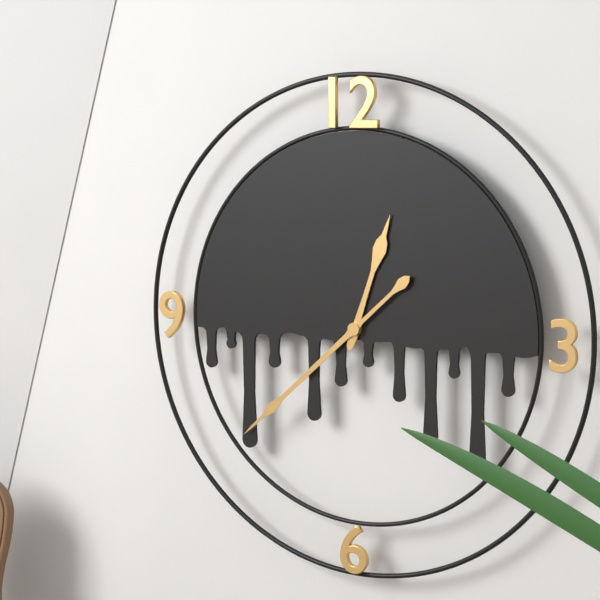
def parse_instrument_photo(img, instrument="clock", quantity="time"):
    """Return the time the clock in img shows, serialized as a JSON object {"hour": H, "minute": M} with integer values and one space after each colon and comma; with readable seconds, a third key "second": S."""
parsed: {"hour": 12, "minute": 38}
